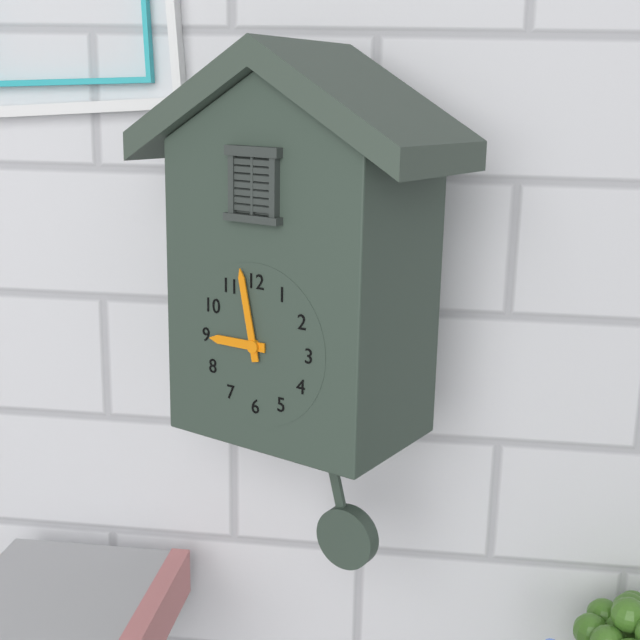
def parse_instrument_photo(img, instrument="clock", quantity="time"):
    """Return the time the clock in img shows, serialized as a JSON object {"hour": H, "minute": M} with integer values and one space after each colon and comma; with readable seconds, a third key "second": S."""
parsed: {"hour": 8, "minute": 58}
